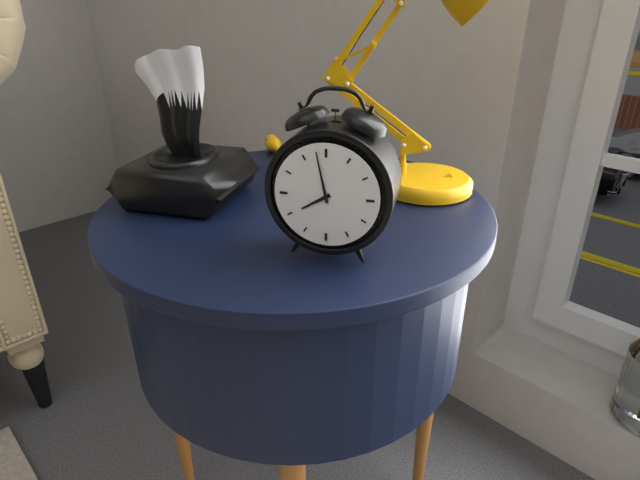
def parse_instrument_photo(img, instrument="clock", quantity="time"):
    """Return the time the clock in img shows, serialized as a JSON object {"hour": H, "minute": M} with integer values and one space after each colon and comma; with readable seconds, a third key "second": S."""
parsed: {"hour": 7, "minute": 58}
